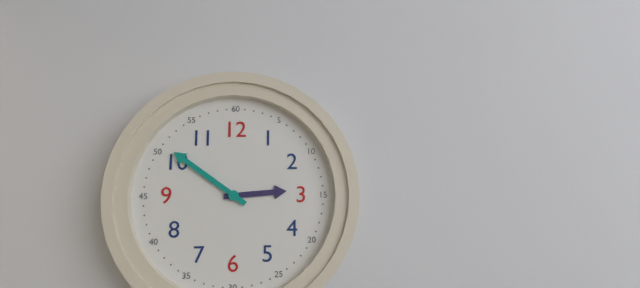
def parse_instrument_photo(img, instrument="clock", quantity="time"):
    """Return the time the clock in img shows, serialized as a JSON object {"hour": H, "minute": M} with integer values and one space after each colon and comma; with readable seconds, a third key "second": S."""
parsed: {"hour": 2, "minute": 51}
